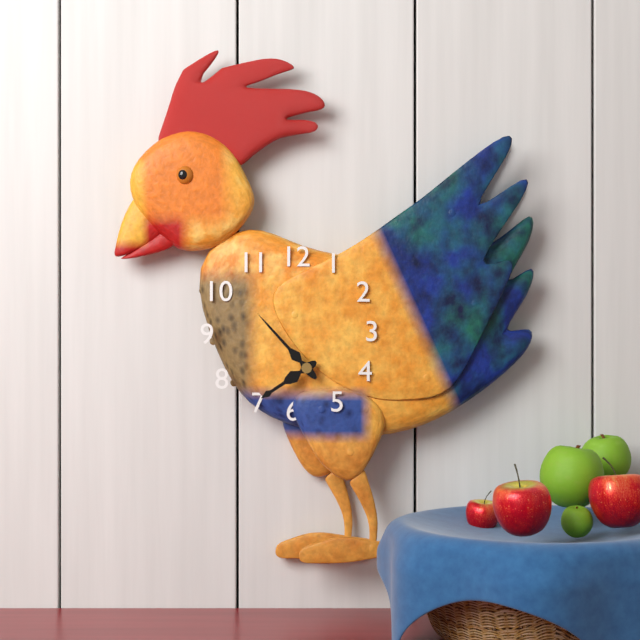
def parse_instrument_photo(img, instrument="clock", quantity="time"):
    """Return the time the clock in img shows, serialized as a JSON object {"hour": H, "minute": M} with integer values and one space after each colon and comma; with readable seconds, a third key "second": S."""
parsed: {"hour": 7, "minute": 53}
